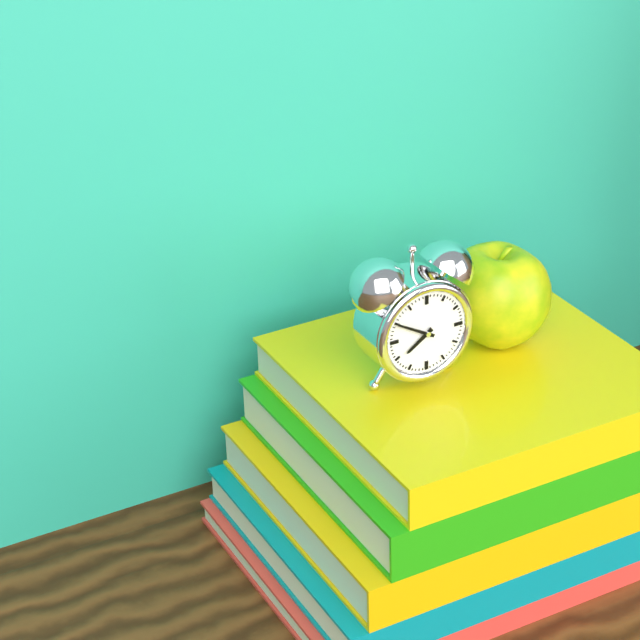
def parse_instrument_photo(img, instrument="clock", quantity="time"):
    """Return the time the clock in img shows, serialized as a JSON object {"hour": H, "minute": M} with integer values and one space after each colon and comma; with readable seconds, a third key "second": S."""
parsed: {"hour": 7, "minute": 50}
